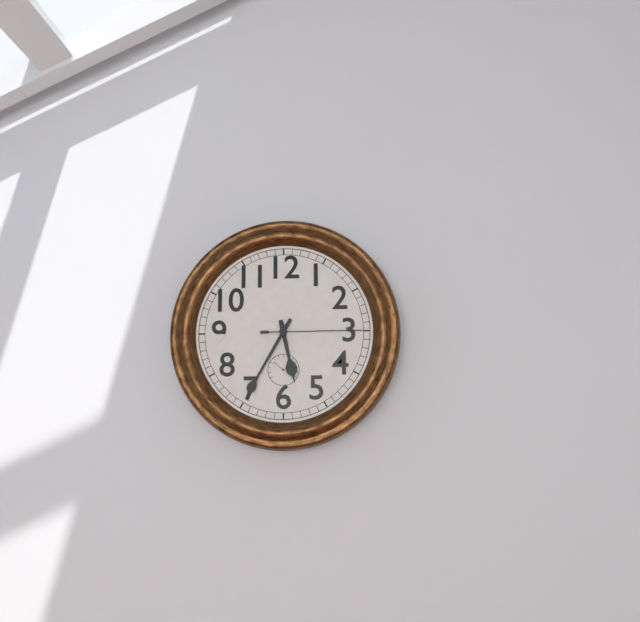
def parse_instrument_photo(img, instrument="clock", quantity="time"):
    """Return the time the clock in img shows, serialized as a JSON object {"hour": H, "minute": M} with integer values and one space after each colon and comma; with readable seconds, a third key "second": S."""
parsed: {"hour": 5, "minute": 35, "second": 15}
